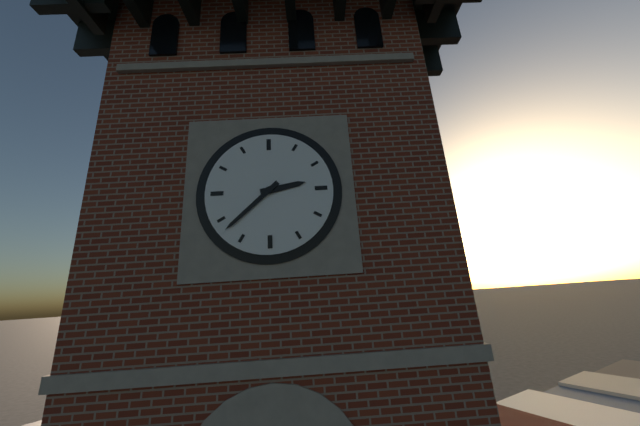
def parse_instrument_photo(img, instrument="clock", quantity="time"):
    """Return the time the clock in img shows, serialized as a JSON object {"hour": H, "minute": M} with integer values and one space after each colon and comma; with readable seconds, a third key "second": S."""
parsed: {"hour": 2, "minute": 38}
